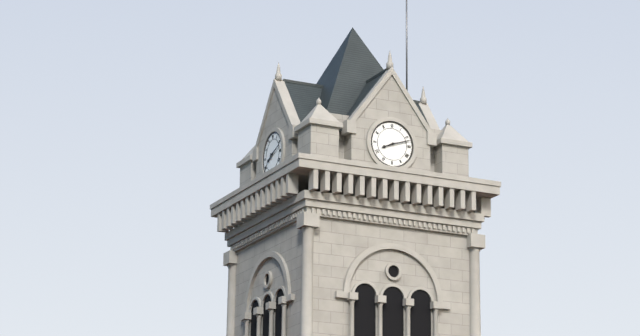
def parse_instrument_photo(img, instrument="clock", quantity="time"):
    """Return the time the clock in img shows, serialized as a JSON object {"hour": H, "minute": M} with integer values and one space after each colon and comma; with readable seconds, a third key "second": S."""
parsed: {"hour": 8, "minute": 12}
